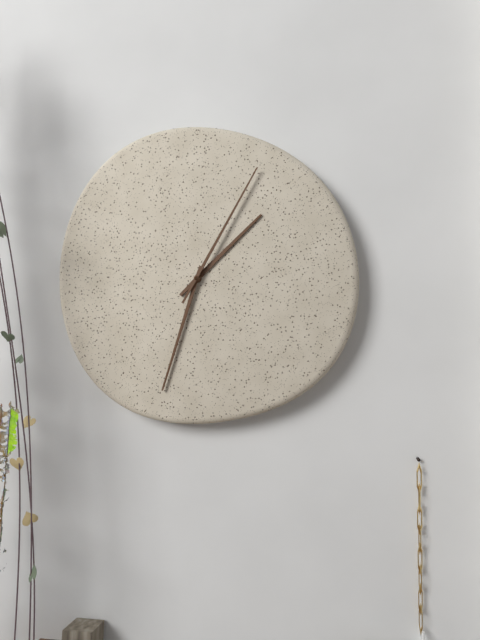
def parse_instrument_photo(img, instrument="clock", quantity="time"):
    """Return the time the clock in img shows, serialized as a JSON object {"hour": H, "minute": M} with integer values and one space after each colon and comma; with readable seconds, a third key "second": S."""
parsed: {"hour": 1, "minute": 33, "second": 5}
